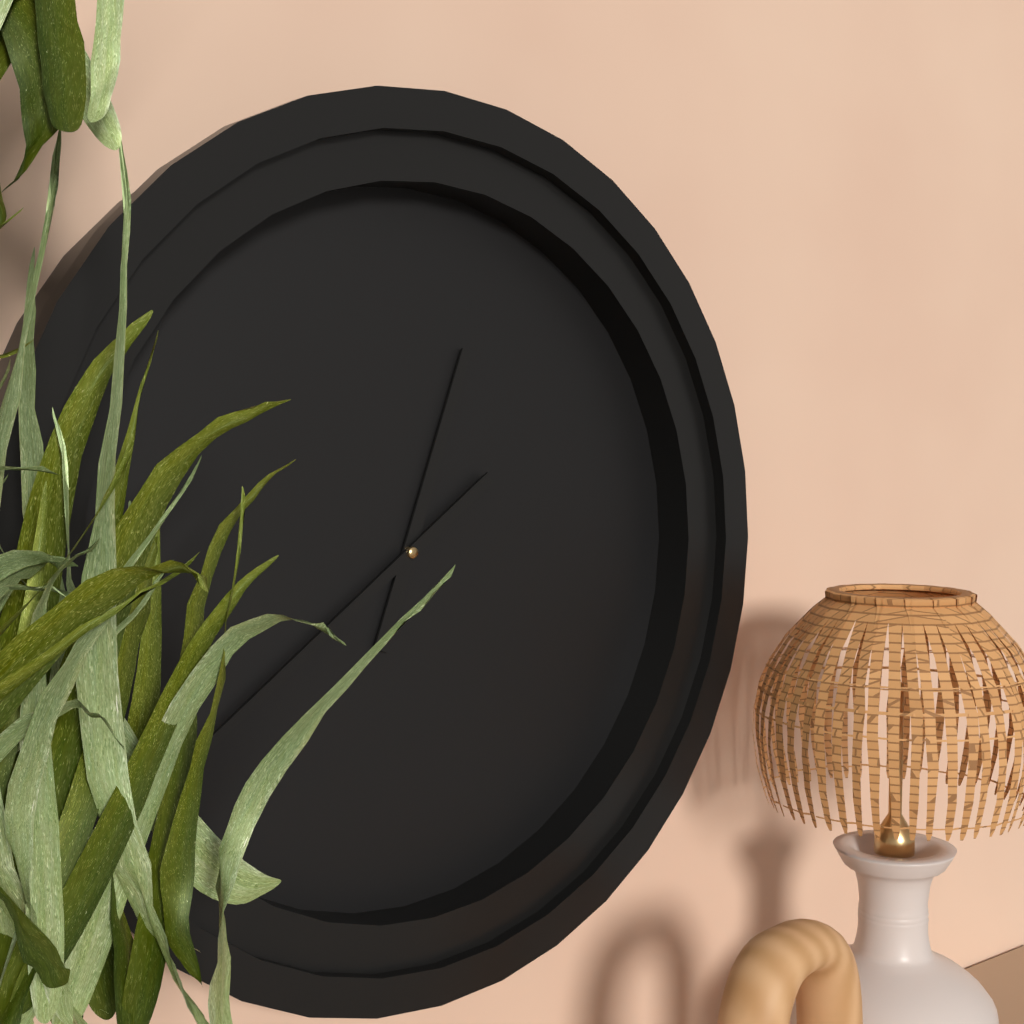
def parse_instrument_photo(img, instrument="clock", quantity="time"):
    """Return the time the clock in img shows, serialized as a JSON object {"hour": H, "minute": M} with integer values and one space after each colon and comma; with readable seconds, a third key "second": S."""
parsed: {"hour": 12, "minute": 39}
